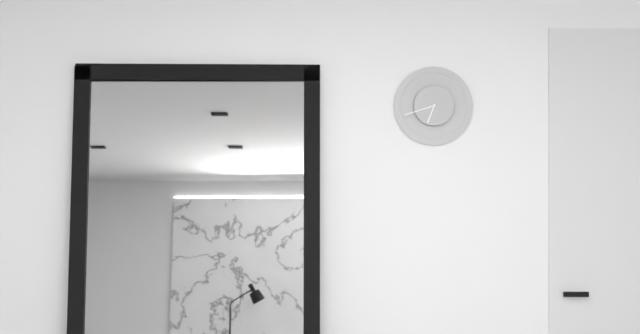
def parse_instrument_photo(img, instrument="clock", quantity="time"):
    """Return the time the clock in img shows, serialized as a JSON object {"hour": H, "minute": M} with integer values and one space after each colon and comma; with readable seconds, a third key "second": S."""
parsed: {"hour": 6, "minute": 42}
